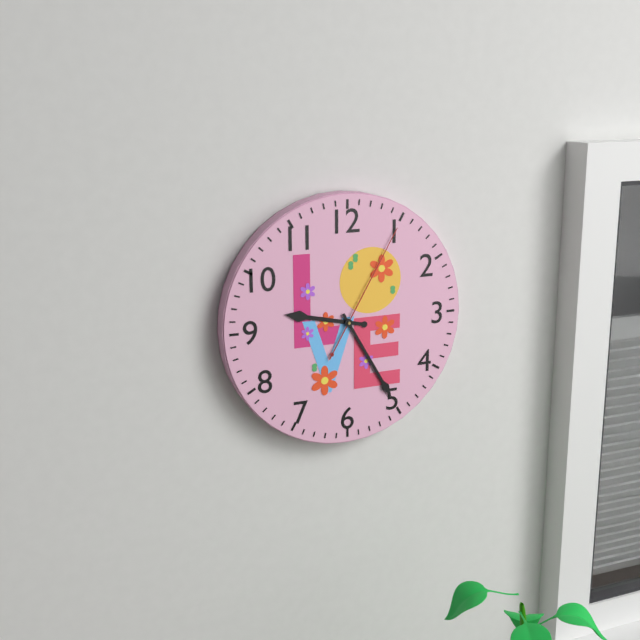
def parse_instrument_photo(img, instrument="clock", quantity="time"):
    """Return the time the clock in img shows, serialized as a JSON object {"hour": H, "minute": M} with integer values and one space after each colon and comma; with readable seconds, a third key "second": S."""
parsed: {"hour": 9, "minute": 25, "second": 5}
